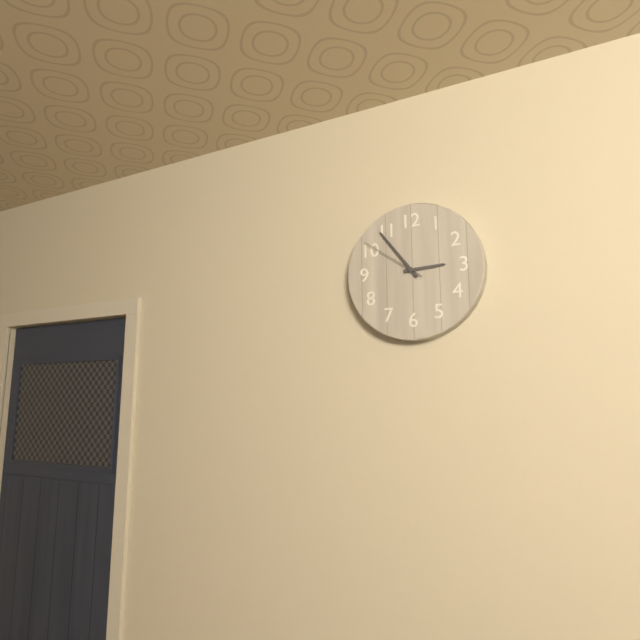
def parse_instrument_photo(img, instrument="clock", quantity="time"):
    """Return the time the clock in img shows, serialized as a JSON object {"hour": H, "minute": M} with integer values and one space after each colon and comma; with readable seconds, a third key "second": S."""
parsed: {"hour": 2, "minute": 54, "second": 51}
